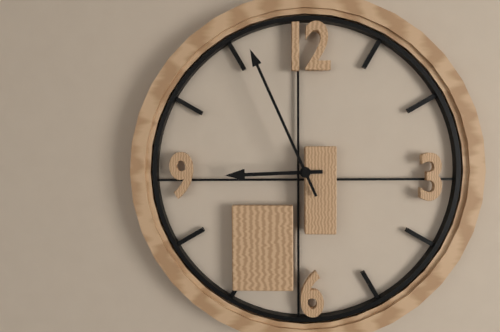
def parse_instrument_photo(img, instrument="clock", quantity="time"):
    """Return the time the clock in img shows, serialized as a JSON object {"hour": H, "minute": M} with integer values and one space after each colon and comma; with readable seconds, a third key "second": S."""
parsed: {"hour": 8, "minute": 56}
